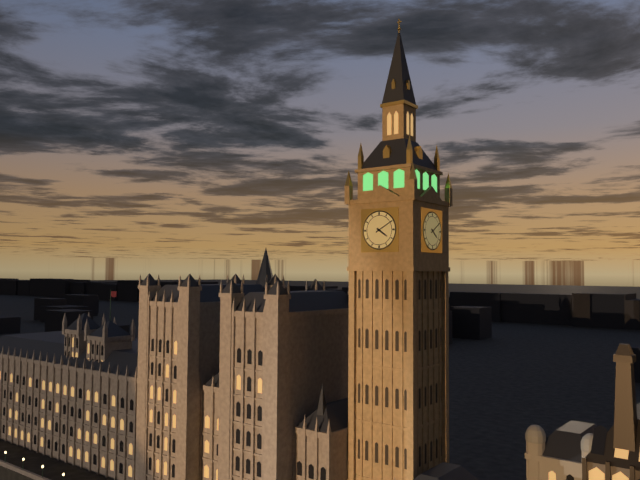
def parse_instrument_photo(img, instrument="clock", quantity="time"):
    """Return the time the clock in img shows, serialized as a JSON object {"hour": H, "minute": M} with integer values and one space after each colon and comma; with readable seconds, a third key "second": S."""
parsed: {"hour": 4, "minute": 10}
